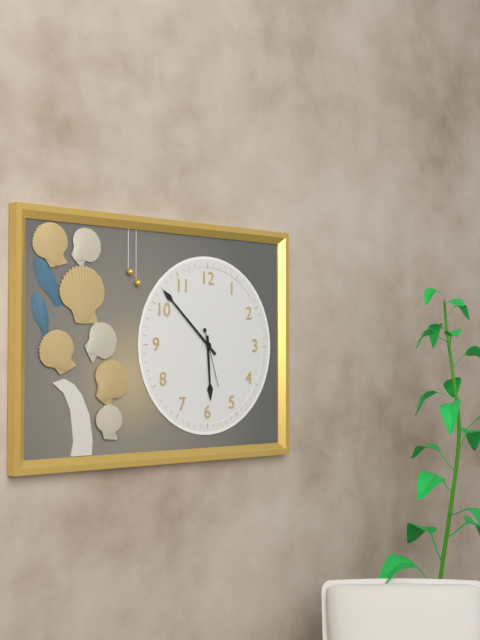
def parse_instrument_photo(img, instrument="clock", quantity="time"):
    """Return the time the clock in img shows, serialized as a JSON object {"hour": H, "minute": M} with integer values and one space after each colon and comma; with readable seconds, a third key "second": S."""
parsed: {"hour": 5, "minute": 52, "second": 27}
